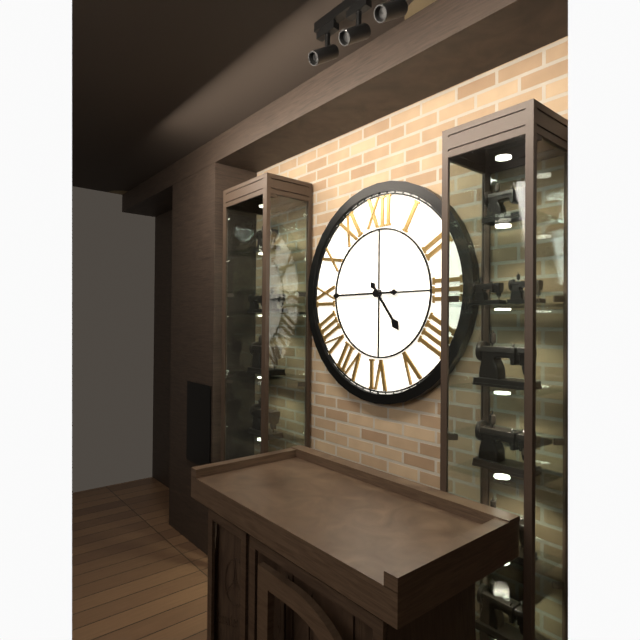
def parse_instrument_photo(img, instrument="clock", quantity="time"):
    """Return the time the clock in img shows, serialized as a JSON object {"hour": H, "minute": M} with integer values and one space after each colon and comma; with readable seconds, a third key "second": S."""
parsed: {"hour": 4, "minute": 45}
